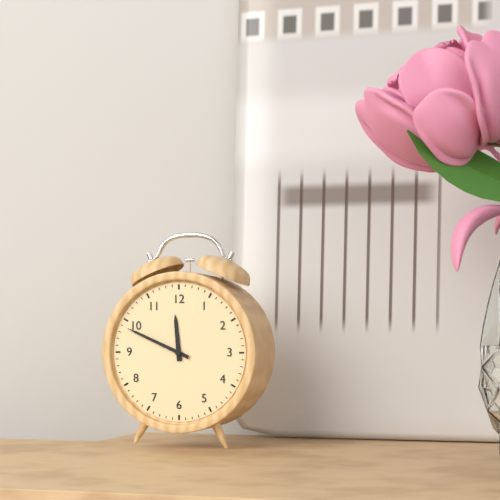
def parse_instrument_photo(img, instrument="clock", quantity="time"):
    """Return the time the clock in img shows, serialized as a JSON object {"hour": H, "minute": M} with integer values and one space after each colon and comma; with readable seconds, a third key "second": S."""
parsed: {"hour": 11, "minute": 49}
